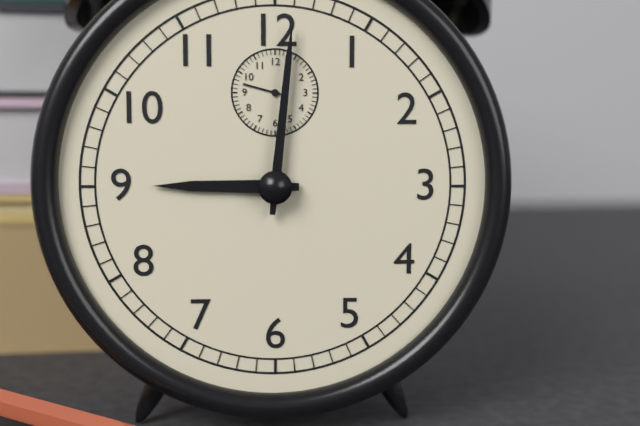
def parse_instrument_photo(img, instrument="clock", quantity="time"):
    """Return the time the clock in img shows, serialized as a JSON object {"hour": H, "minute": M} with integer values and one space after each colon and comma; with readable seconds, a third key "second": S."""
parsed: {"hour": 9, "minute": 1}
